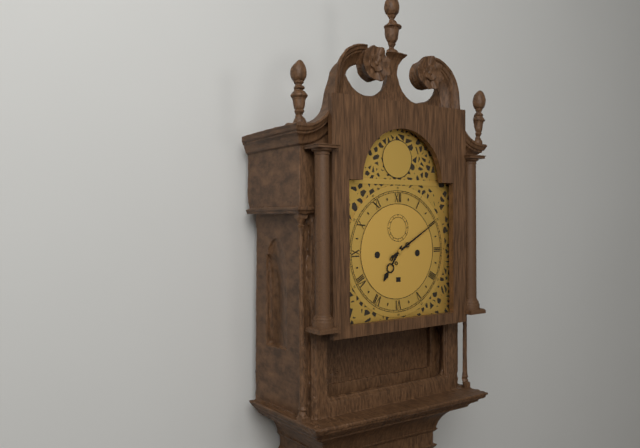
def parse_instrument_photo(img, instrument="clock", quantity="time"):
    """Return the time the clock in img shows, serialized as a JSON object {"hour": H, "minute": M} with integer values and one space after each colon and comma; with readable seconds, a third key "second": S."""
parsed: {"hour": 7, "minute": 10}
